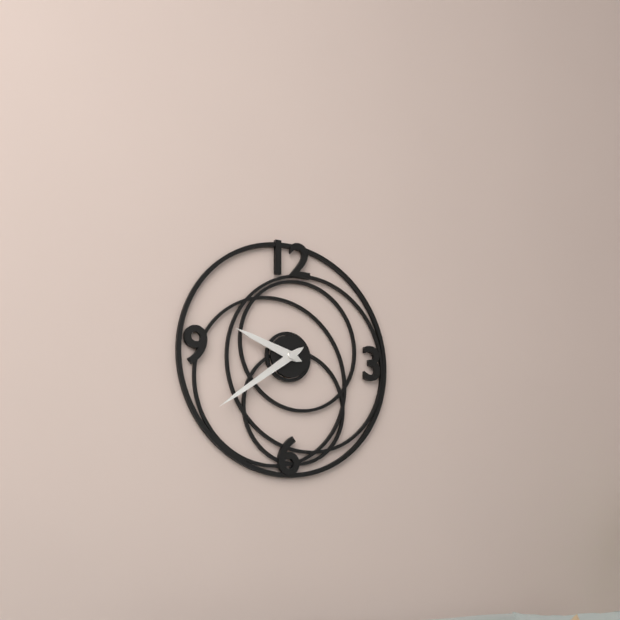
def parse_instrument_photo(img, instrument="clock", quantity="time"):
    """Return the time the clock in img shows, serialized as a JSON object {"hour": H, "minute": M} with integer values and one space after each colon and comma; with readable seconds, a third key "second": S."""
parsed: {"hour": 9, "minute": 39}
